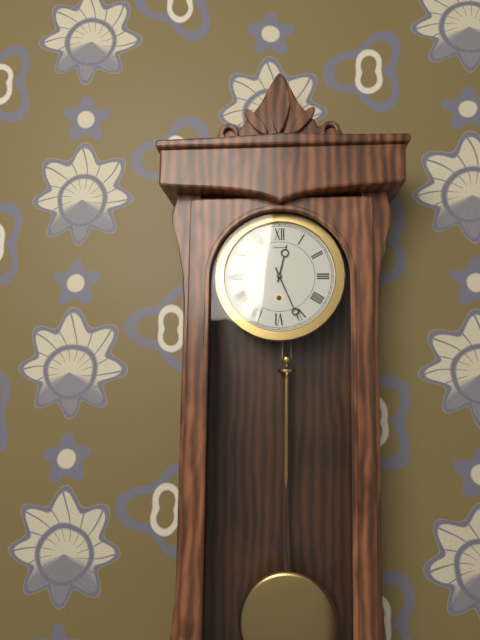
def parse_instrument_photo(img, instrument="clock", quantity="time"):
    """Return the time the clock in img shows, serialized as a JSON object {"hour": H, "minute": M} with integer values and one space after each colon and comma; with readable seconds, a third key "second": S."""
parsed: {"hour": 12, "minute": 26}
